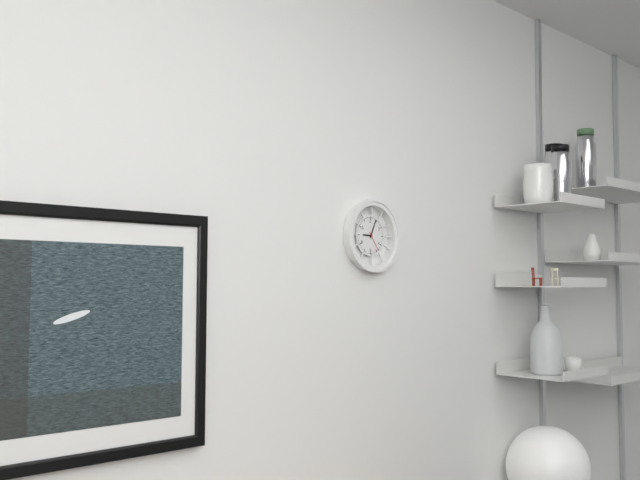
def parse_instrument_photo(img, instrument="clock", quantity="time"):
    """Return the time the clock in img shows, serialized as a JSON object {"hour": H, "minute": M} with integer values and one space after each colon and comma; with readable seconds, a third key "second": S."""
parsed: {"hour": 9, "minute": 4}
